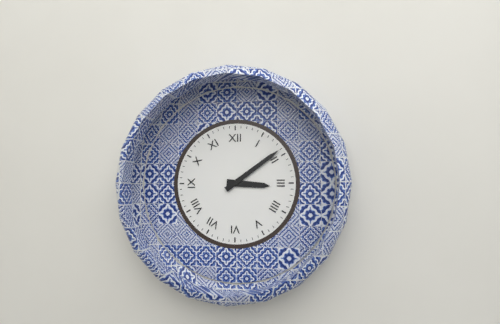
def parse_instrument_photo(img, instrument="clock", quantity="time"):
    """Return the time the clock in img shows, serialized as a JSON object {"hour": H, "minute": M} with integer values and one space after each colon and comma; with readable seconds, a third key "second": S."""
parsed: {"hour": 3, "minute": 9}
